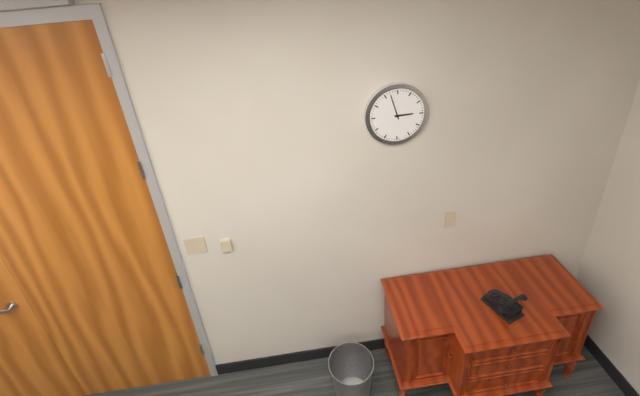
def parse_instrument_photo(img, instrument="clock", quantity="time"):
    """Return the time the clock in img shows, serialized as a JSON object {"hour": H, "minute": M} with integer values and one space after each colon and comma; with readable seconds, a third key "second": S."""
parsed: {"hour": 2, "minute": 57}
